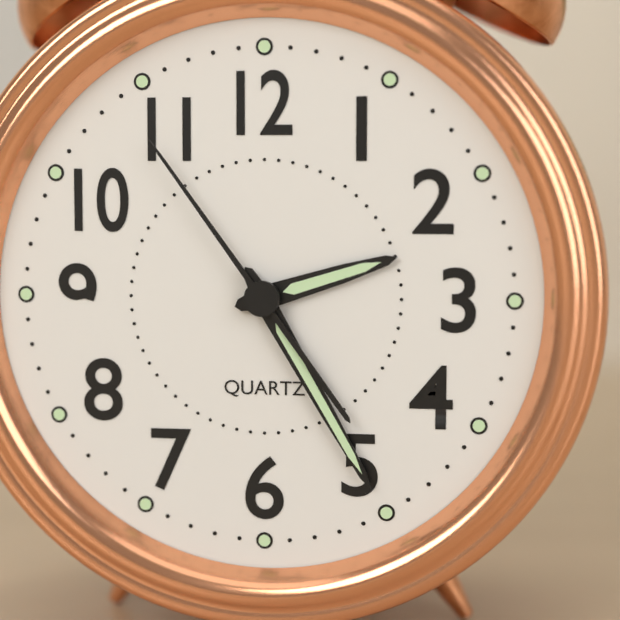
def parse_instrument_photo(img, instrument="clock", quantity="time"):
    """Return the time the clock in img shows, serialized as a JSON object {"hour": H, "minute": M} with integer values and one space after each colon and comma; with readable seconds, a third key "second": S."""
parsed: {"hour": 2, "minute": 25, "second": 54}
